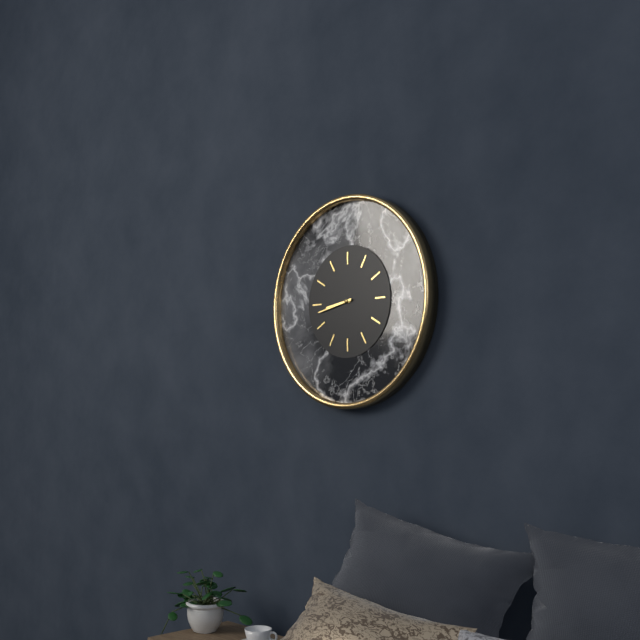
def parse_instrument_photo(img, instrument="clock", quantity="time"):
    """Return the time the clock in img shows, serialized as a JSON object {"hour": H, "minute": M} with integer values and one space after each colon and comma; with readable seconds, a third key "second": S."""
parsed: {"hour": 8, "minute": 43}
